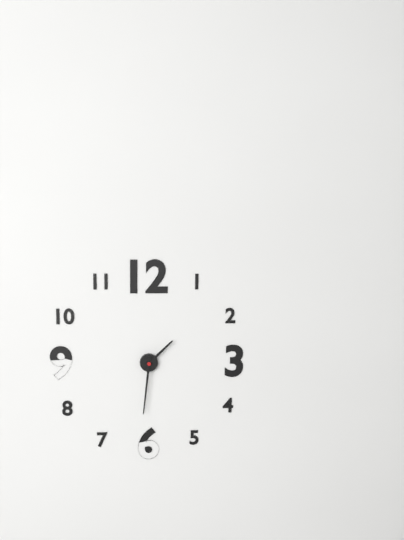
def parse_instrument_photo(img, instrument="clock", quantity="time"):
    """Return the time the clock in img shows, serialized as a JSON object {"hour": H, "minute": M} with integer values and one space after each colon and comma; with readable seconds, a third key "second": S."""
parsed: {"hour": 1, "minute": 31}
